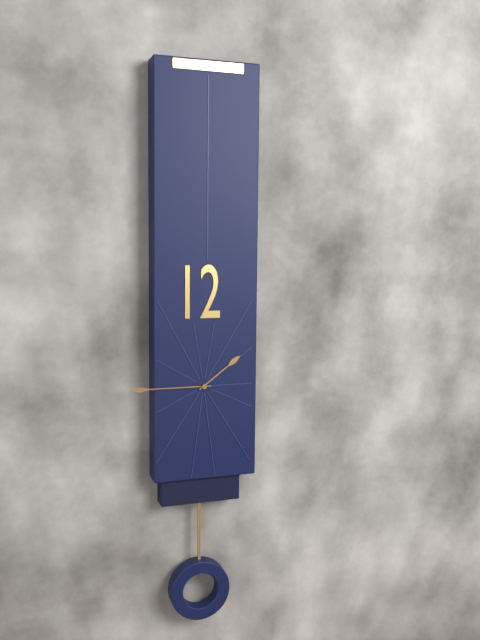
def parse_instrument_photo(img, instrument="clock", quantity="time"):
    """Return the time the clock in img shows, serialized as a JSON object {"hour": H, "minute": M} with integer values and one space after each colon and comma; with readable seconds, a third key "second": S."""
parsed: {"hour": 1, "minute": 45}
